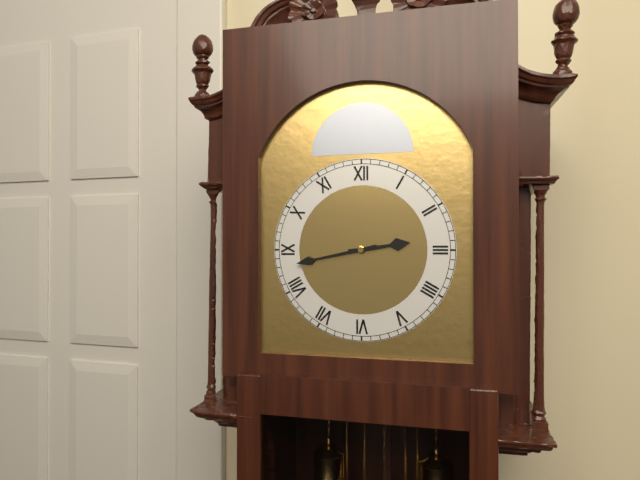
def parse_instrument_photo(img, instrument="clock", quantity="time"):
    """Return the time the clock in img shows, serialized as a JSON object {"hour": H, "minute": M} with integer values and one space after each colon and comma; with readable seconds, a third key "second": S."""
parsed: {"hour": 2, "minute": 43}
